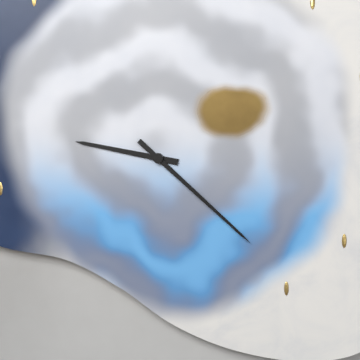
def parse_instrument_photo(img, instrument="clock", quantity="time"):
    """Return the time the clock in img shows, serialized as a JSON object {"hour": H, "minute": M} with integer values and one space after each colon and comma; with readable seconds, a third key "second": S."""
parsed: {"hour": 9, "minute": 22}
